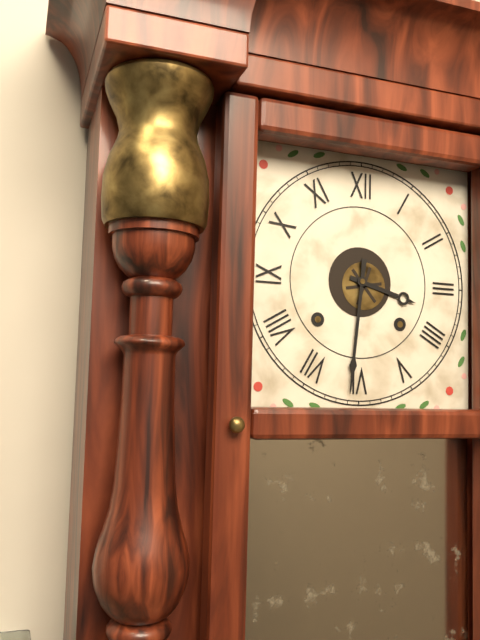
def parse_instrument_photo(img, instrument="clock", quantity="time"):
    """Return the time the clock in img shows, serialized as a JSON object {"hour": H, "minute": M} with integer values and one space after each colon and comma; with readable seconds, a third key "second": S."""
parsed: {"hour": 3, "minute": 31}
